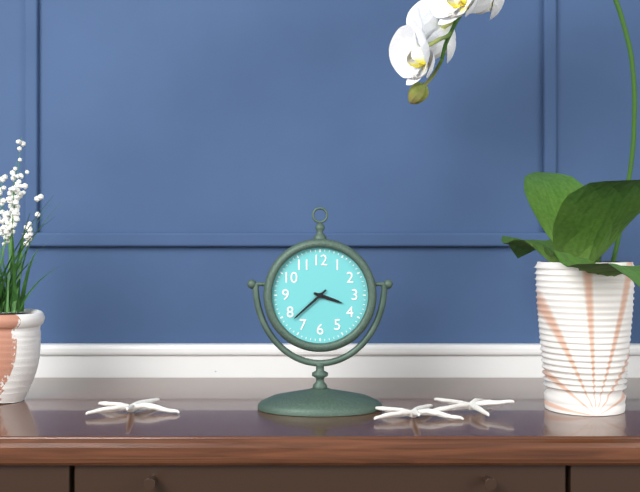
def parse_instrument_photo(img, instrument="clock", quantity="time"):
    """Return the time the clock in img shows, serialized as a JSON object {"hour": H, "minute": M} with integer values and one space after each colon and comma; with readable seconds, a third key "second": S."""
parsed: {"hour": 3, "minute": 38}
